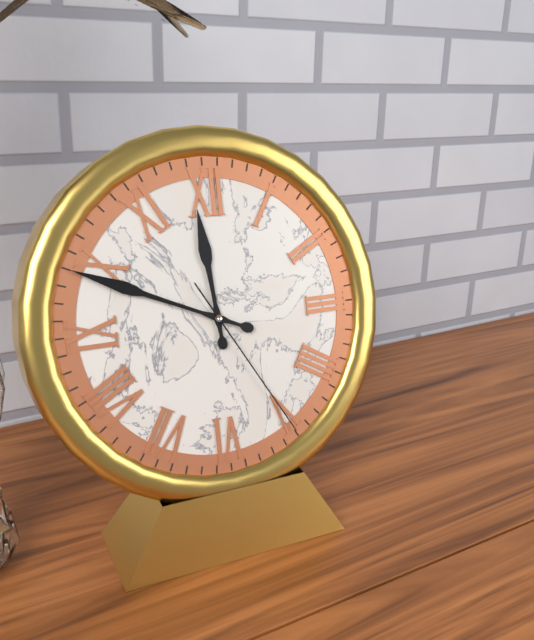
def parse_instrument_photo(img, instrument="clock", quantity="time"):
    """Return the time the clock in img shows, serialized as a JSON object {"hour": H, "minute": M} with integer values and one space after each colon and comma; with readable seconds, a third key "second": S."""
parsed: {"hour": 11, "minute": 49, "second": 25}
